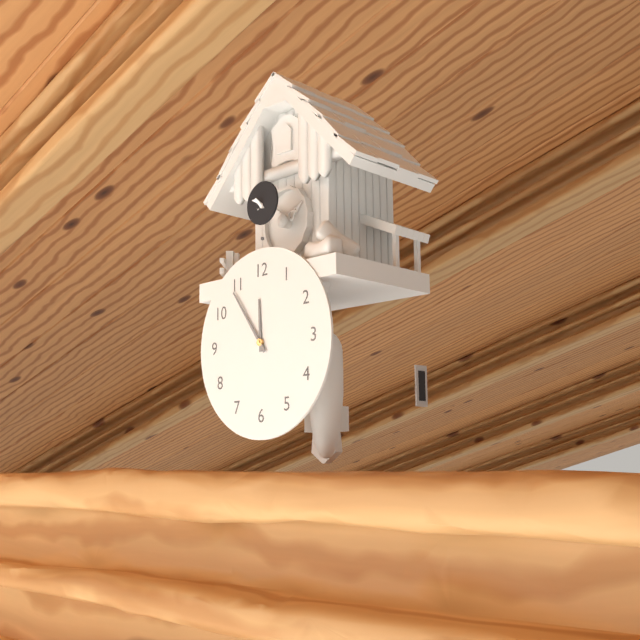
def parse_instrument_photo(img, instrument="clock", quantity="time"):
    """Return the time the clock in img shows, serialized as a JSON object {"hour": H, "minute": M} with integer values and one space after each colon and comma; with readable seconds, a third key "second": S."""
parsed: {"hour": 11, "minute": 54}
